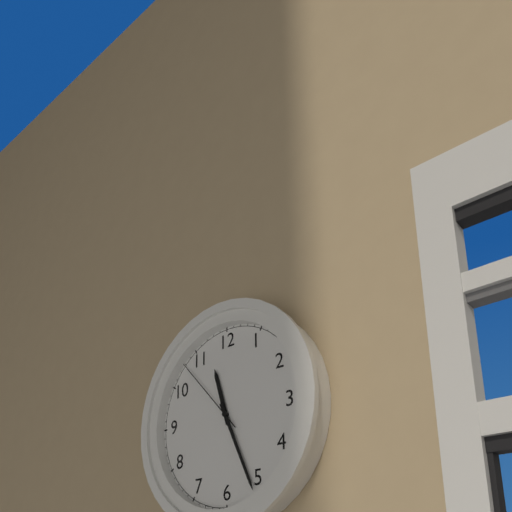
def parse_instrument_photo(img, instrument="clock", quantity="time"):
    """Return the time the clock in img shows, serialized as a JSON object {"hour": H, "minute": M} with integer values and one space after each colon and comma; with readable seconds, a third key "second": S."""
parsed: {"hour": 11, "minute": 26, "second": 53}
